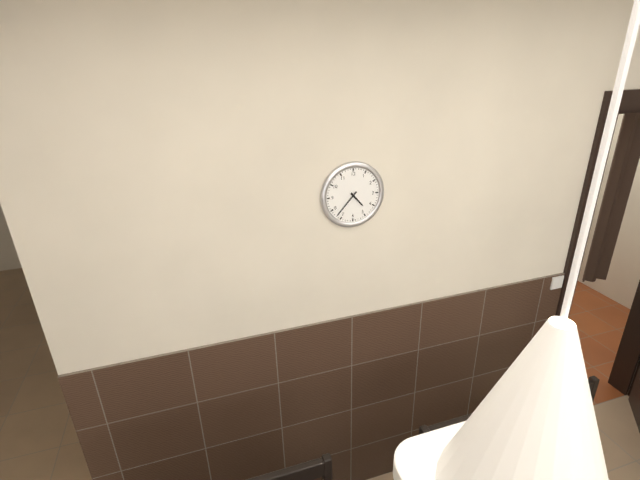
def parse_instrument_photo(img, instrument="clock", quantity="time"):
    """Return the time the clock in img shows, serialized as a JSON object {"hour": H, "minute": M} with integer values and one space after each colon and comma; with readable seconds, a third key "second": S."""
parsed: {"hour": 4, "minute": 37}
